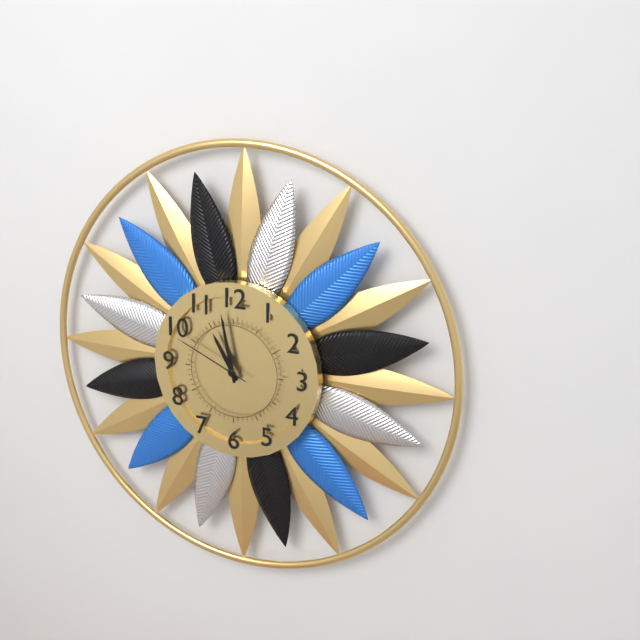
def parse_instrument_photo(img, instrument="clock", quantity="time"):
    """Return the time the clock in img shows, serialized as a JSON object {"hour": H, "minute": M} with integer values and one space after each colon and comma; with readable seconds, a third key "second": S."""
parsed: {"hour": 10, "minute": 58, "second": 49}
